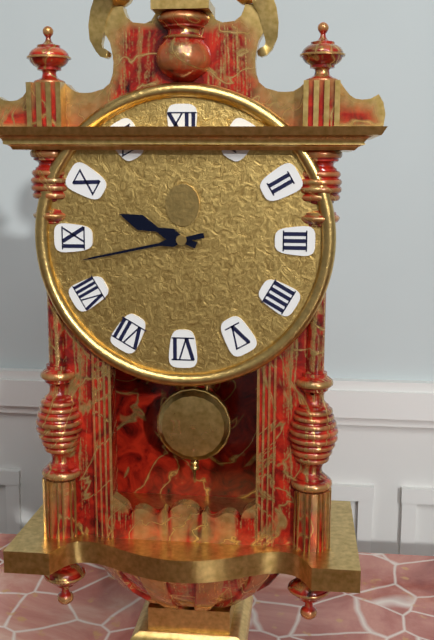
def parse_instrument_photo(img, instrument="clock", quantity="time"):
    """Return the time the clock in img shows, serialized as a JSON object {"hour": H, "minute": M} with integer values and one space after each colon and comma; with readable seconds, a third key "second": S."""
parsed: {"hour": 9, "minute": 43}
